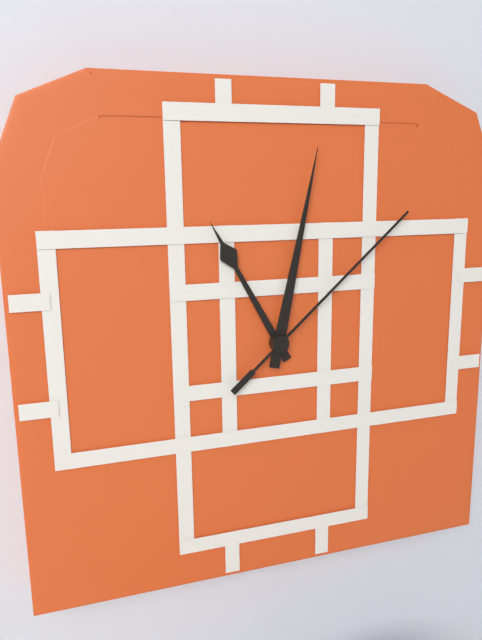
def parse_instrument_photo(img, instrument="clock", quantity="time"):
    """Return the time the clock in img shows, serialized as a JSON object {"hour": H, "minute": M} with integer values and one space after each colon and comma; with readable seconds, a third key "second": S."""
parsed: {"hour": 11, "minute": 2, "second": 8}
